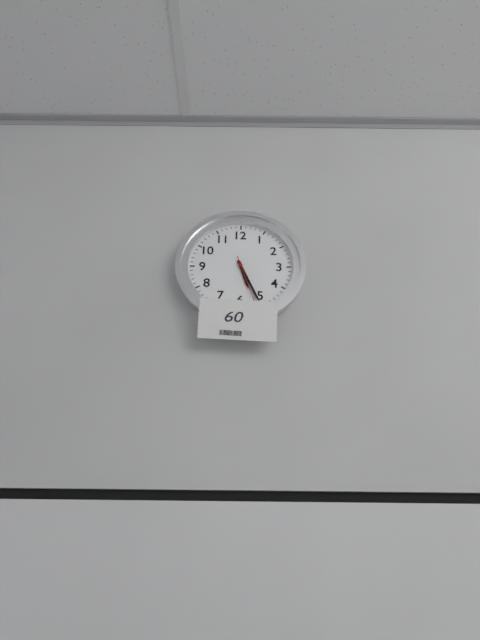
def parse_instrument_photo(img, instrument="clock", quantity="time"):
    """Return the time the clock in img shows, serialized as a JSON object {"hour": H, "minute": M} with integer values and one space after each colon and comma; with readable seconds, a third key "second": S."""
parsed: {"hour": 5, "minute": 26, "second": 27}
